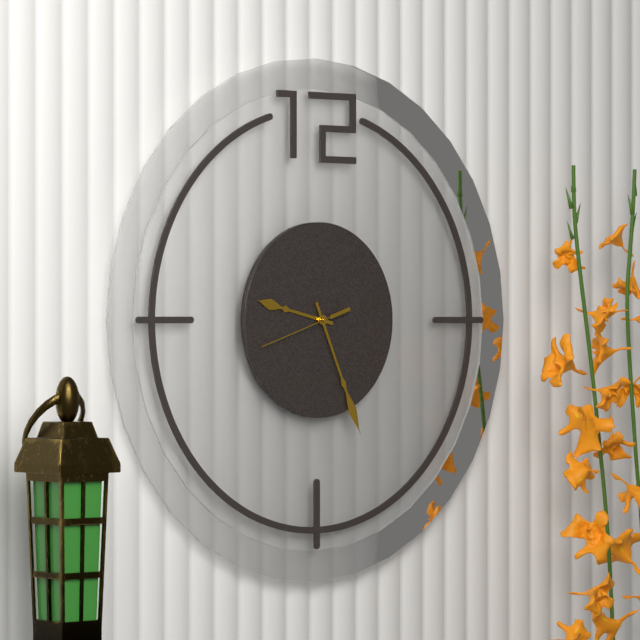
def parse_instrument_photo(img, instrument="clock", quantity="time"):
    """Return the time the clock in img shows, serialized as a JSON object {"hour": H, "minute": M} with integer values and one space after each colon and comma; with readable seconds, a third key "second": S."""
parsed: {"hour": 9, "minute": 26, "second": 42}
